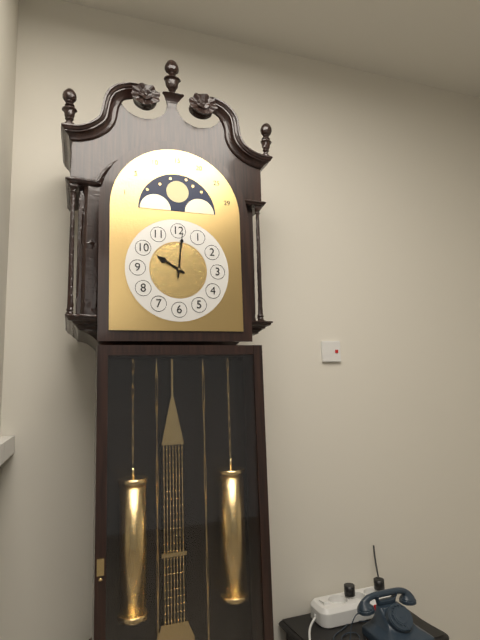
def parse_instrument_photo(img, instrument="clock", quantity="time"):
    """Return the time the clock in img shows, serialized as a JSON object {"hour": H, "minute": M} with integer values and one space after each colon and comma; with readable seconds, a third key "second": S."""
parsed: {"hour": 10, "minute": 1}
